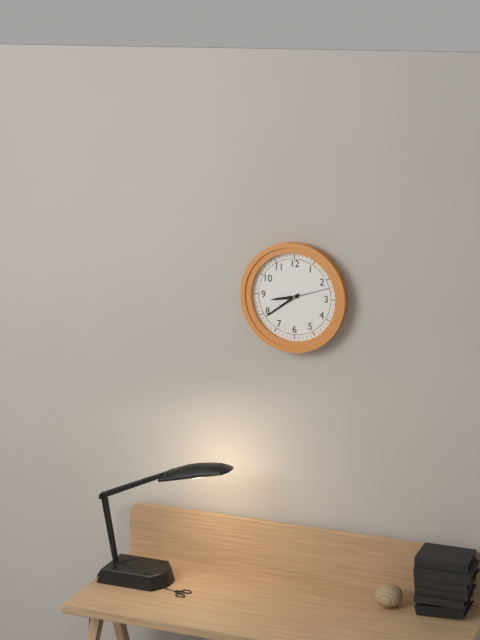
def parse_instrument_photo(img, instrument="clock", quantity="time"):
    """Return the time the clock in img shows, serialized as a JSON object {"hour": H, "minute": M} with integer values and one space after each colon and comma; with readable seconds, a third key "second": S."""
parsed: {"hour": 8, "minute": 39}
